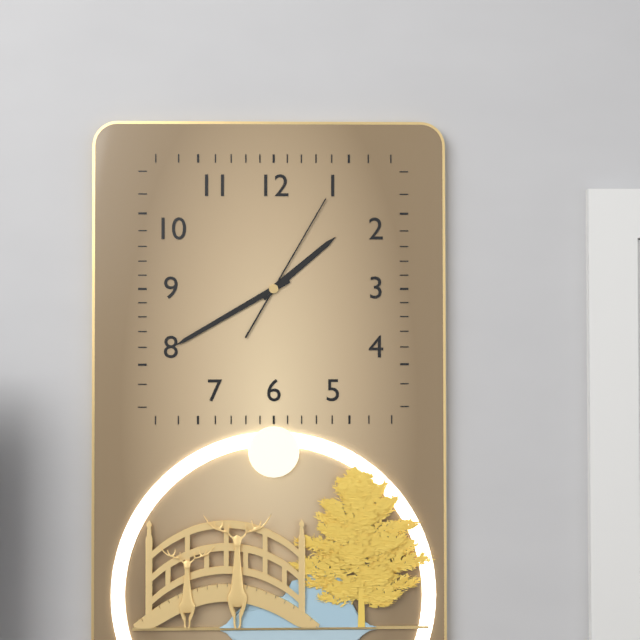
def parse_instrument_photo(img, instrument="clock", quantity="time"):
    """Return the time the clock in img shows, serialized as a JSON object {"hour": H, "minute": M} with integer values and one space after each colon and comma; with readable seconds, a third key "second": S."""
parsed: {"hour": 1, "minute": 40, "second": 5}
